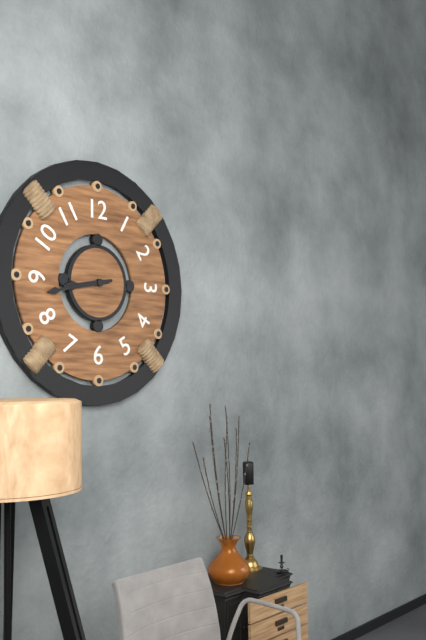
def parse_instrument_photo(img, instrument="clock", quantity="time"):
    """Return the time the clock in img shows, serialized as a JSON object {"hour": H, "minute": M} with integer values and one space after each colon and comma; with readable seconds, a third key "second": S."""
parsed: {"hour": 8, "minute": 43}
